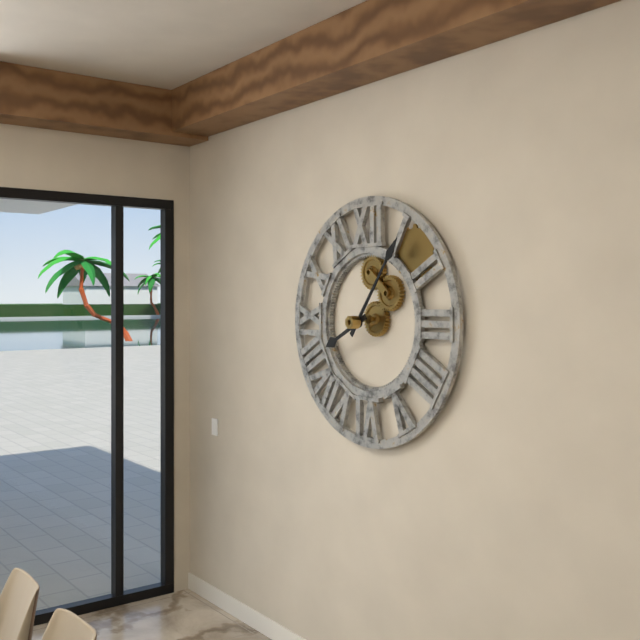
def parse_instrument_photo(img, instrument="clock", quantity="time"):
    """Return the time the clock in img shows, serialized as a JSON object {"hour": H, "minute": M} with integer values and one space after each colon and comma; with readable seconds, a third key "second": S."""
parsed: {"hour": 8, "minute": 6}
